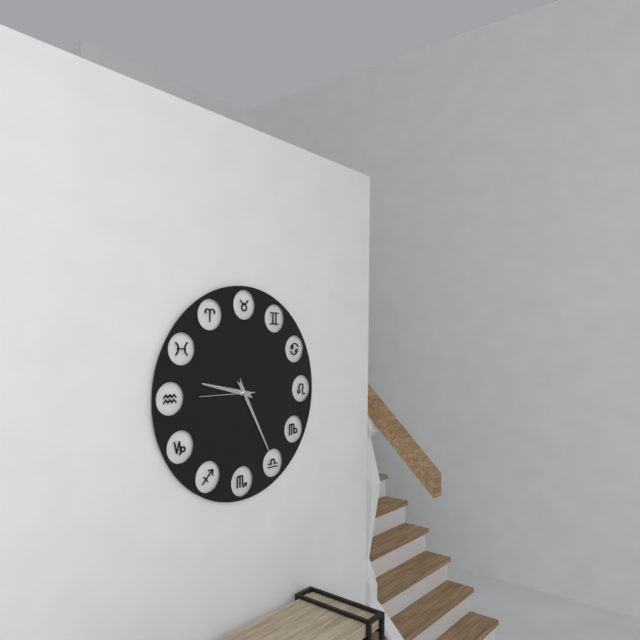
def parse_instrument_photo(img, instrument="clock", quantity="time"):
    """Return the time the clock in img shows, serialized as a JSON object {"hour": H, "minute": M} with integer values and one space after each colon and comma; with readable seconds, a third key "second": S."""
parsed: {"hour": 9, "minute": 25, "second": 45}
